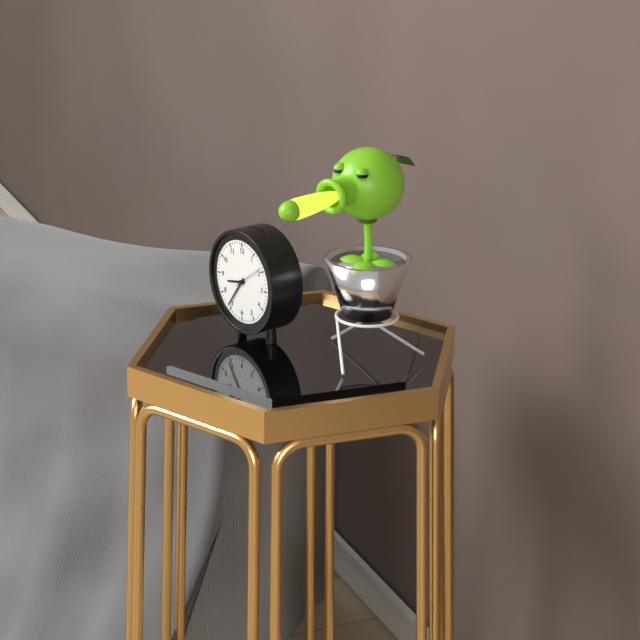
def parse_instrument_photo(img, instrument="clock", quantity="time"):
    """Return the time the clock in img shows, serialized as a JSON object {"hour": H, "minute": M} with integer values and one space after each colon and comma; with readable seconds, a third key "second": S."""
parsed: {"hour": 8, "minute": 36}
